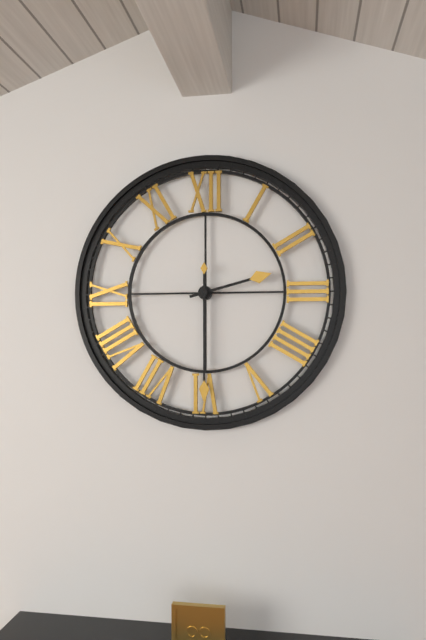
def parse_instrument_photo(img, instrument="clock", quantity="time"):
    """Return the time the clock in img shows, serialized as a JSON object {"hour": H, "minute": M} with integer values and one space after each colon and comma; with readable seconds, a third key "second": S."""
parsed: {"hour": 2, "minute": 30}
